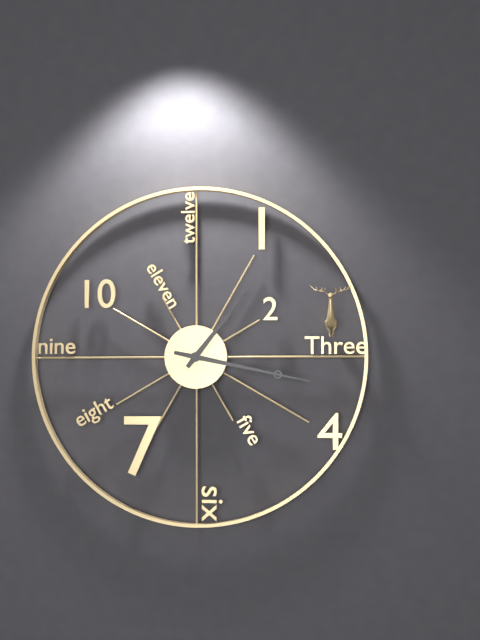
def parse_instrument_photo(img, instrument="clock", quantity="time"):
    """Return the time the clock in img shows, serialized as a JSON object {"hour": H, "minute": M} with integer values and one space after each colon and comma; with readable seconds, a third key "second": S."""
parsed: {"hour": 1, "minute": 17}
